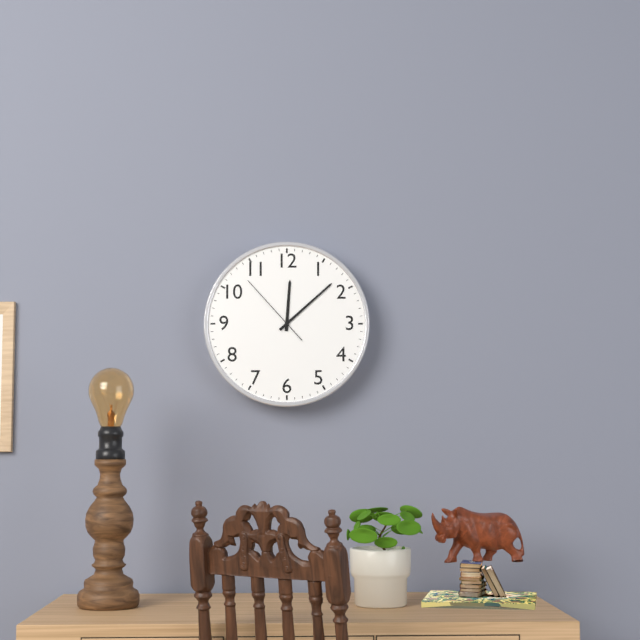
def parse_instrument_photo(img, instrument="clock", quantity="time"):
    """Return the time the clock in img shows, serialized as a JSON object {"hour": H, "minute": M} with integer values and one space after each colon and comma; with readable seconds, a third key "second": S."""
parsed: {"hour": 12, "minute": 8, "second": 53}
